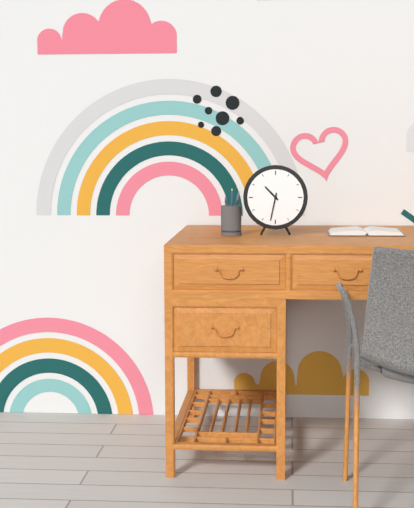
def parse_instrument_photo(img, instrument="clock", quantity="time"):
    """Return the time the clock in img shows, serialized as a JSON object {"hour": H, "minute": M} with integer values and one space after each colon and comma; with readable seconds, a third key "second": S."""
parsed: {"hour": 10, "minute": 32}
